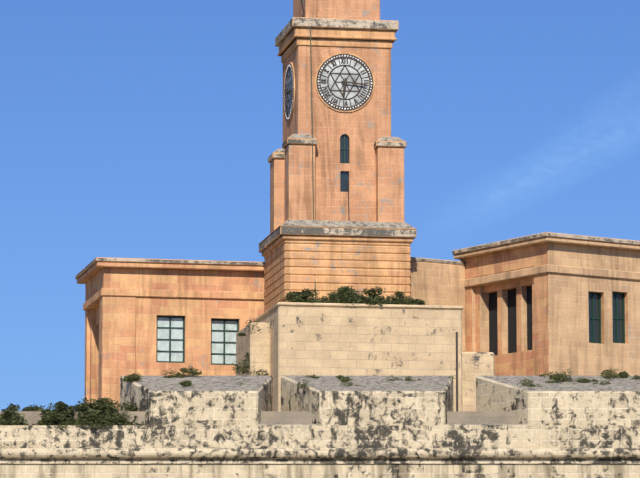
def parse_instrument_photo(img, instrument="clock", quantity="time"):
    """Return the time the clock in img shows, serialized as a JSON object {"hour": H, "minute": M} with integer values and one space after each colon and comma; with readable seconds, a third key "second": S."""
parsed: {"hour": 6, "minute": 16}
